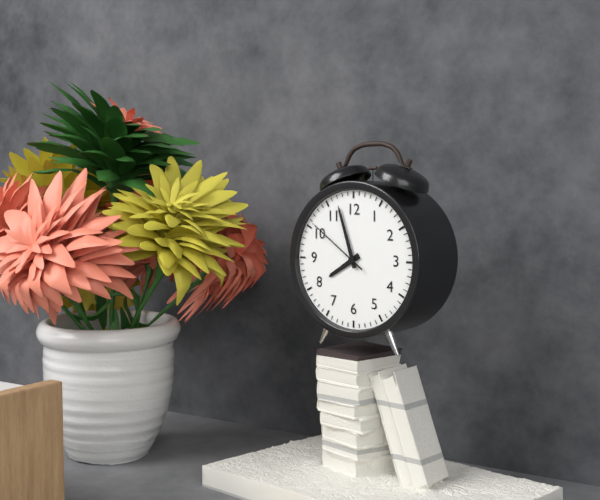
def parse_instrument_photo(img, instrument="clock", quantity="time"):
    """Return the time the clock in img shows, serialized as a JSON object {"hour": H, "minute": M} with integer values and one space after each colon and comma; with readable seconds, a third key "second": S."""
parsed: {"hour": 7, "minute": 57, "second": 51}
